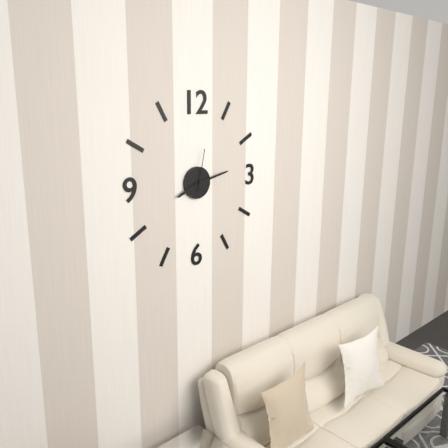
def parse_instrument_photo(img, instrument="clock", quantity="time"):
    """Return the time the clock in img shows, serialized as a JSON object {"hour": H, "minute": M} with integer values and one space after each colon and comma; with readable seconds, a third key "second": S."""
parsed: {"hour": 8, "minute": 13}
